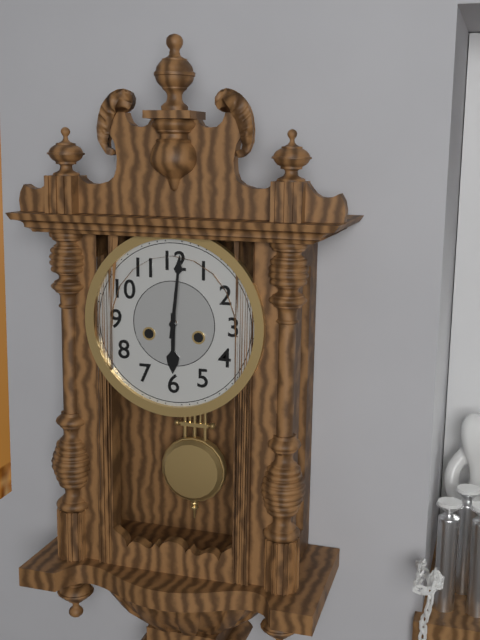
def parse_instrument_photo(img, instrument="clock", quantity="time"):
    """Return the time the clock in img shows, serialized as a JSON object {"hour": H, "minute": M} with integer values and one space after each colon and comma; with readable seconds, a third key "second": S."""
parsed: {"hour": 6, "minute": 1}
